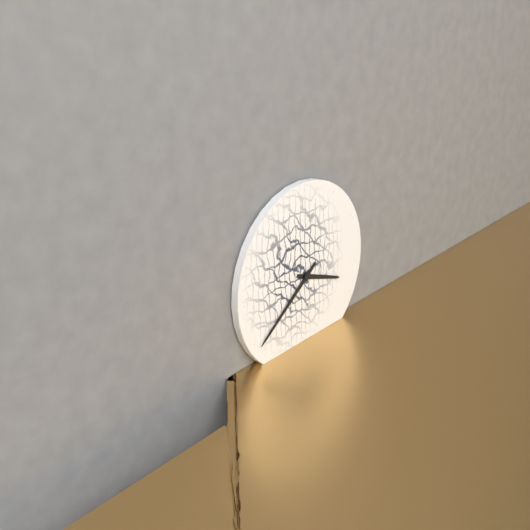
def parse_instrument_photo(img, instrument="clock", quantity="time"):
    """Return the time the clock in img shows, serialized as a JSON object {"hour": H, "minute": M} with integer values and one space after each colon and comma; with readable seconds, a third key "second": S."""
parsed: {"hour": 3, "minute": 39}
